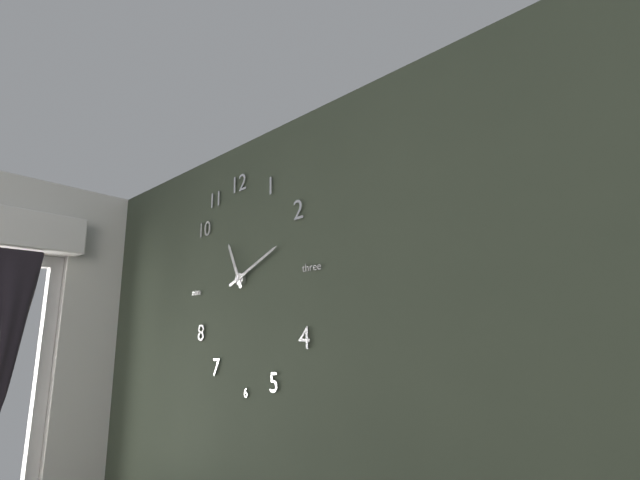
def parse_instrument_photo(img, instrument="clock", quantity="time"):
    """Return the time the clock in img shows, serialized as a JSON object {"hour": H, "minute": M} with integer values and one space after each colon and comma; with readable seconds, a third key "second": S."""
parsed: {"hour": 11, "minute": 11}
